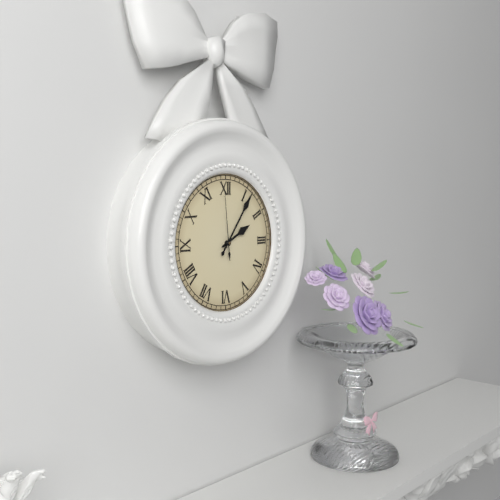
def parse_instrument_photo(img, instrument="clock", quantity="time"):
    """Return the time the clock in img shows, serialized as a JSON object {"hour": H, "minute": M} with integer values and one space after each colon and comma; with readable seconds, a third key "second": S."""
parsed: {"hour": 2, "minute": 6, "second": 59}
